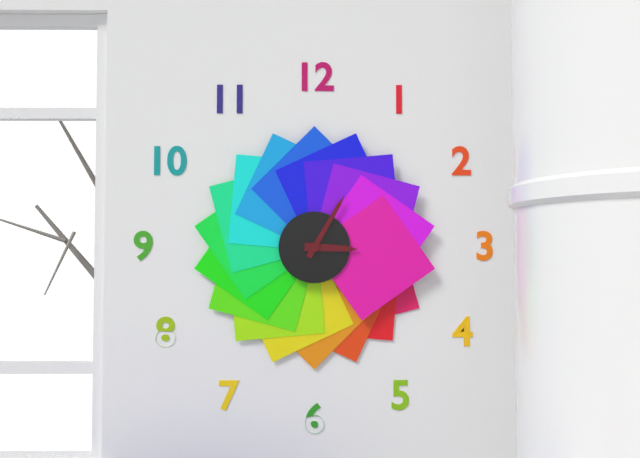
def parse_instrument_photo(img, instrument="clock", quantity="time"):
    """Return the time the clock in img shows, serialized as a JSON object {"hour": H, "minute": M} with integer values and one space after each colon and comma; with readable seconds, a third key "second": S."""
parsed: {"hour": 3, "minute": 5}
